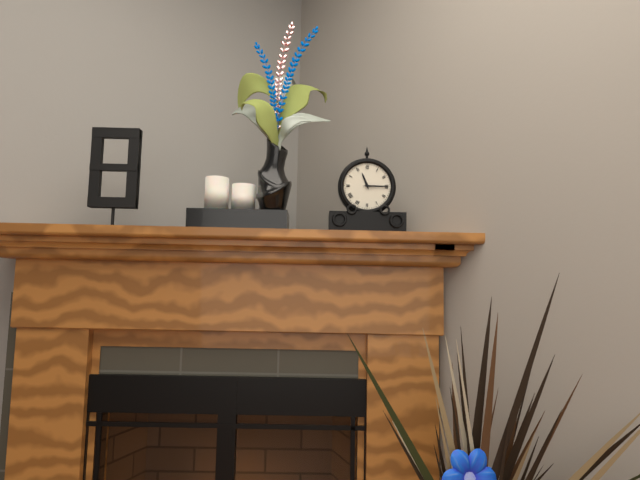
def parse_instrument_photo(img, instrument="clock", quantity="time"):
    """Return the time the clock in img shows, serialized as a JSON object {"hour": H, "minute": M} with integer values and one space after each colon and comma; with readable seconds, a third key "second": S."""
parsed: {"hour": 11, "minute": 15}
